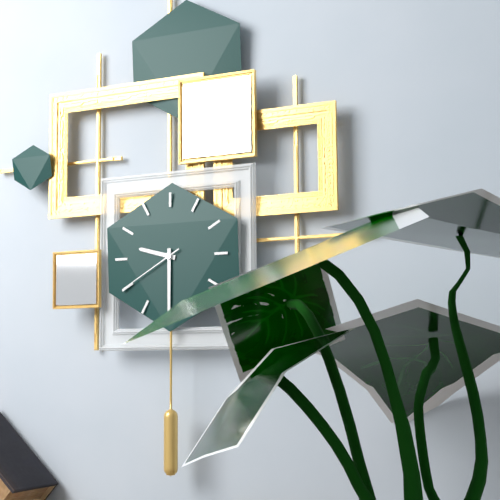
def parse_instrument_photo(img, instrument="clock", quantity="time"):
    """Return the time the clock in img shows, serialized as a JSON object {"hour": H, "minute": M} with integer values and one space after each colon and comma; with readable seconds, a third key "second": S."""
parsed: {"hour": 9, "minute": 30, "second": 40}
